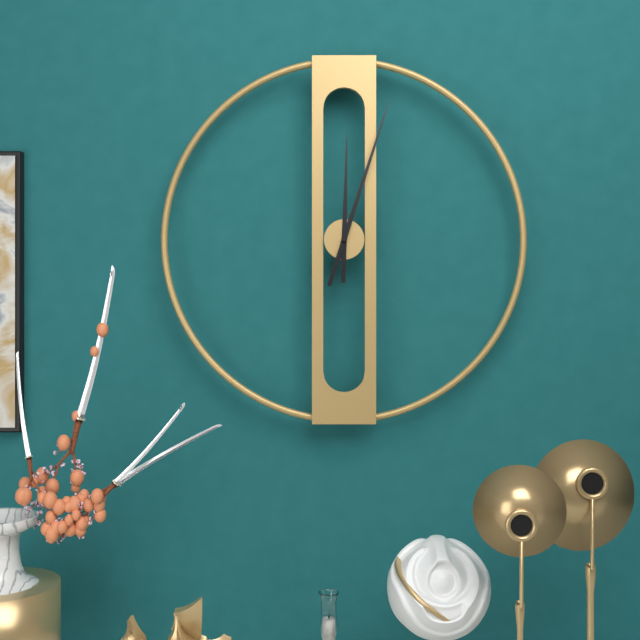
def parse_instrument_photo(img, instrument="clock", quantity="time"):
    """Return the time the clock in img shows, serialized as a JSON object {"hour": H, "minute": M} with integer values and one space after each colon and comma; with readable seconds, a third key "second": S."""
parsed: {"hour": 12, "minute": 3}
